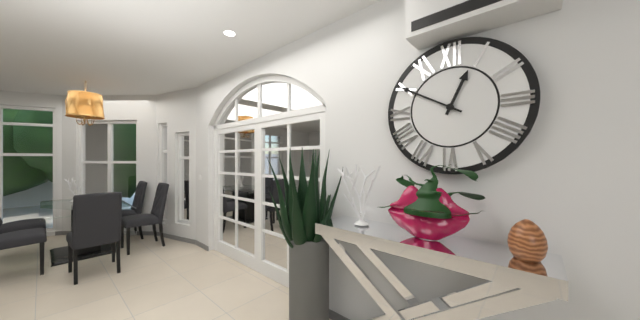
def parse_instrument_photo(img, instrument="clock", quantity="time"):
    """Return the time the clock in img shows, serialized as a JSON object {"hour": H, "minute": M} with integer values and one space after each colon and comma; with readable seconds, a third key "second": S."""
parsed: {"hour": 12, "minute": 50}
